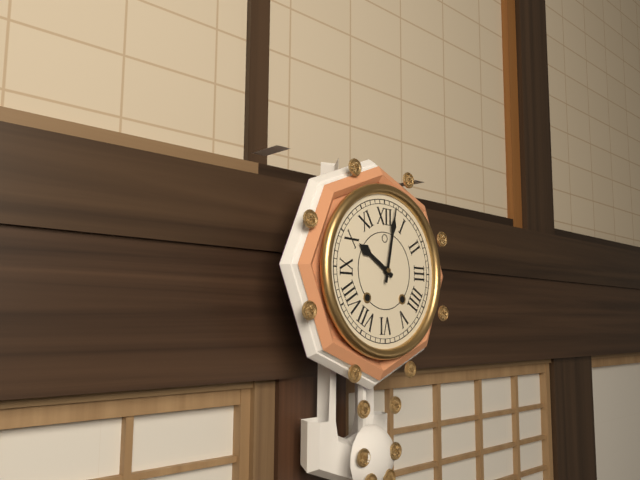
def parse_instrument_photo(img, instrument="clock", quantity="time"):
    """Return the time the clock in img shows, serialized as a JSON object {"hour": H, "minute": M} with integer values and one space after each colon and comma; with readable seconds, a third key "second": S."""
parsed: {"hour": 10, "minute": 2}
